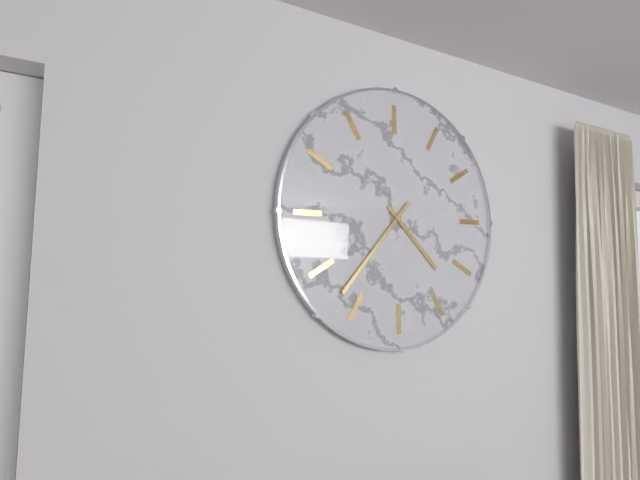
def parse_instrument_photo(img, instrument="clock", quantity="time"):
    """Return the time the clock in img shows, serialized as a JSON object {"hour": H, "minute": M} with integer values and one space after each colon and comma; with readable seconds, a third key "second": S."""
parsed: {"hour": 3, "minute": 32}
